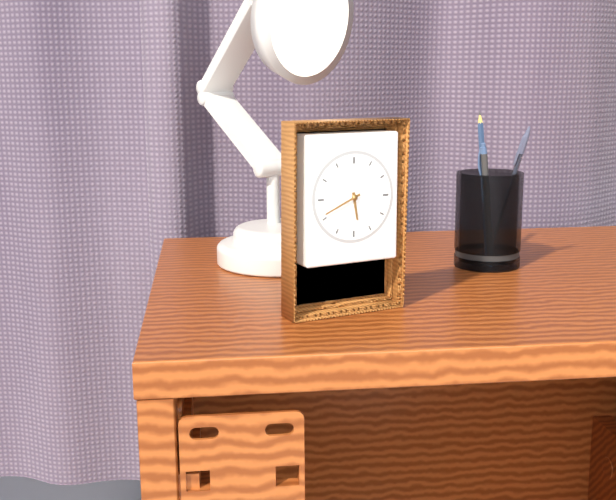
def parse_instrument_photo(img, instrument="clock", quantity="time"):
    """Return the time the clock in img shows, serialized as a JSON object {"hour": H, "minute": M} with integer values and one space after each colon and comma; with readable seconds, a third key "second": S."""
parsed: {"hour": 5, "minute": 41}
